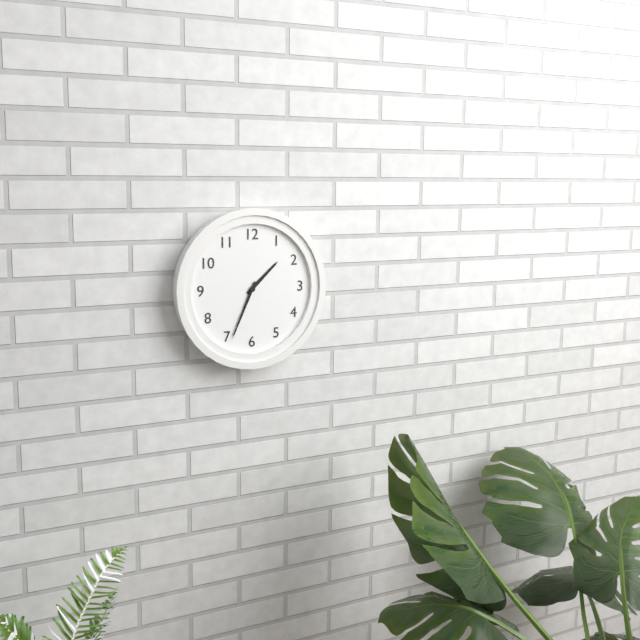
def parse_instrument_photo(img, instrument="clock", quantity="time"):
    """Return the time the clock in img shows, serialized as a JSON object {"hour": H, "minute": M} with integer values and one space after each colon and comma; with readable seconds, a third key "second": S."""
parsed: {"hour": 1, "minute": 34}
